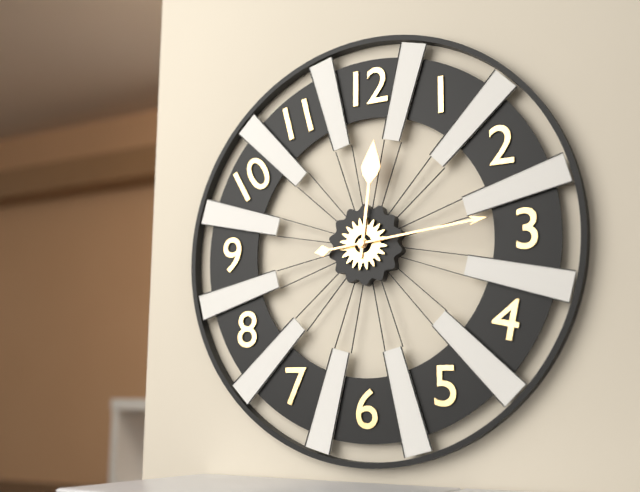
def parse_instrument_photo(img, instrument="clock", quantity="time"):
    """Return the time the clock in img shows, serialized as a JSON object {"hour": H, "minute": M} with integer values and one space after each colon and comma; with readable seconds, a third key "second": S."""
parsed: {"hour": 12, "minute": 14}
